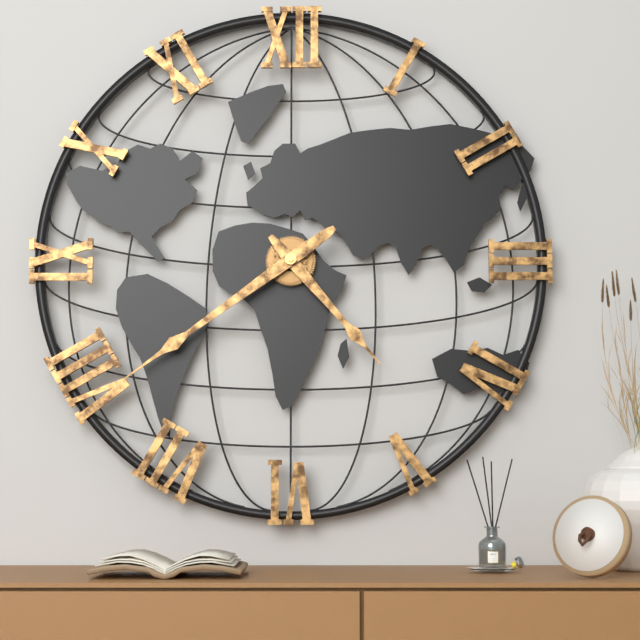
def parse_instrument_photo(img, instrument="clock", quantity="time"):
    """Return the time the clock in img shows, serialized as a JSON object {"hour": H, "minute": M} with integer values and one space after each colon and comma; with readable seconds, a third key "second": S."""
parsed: {"hour": 4, "minute": 39}
